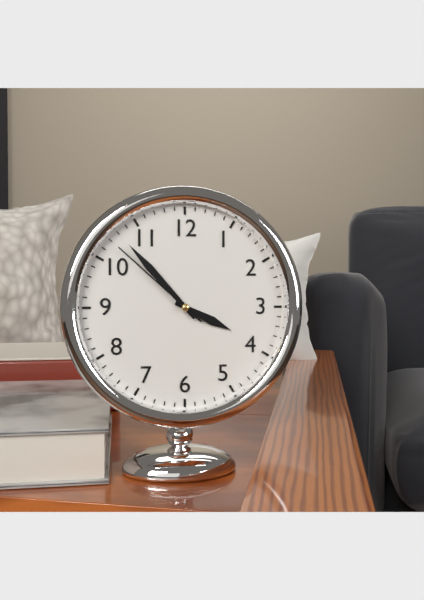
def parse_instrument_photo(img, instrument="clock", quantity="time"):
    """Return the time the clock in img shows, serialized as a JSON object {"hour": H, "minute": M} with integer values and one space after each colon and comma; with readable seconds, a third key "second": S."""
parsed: {"hour": 3, "minute": 53, "second": 52}
